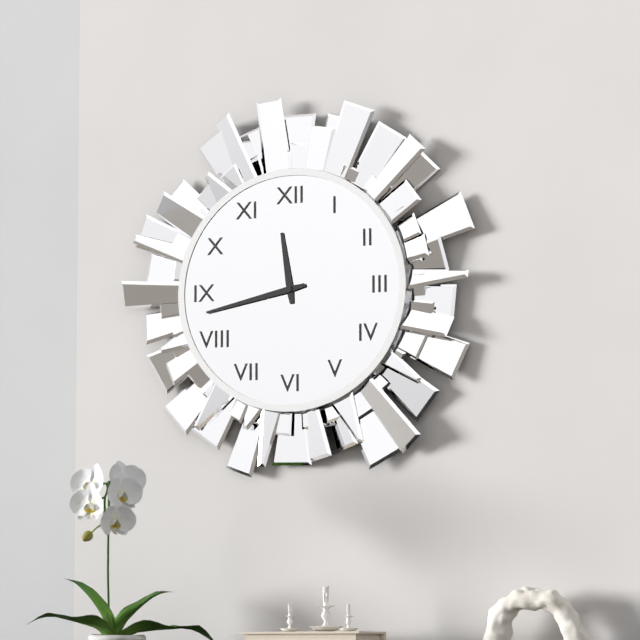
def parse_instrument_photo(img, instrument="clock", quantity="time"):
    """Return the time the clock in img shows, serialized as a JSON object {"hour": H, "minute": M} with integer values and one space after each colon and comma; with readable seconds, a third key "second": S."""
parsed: {"hour": 11, "minute": 43}
